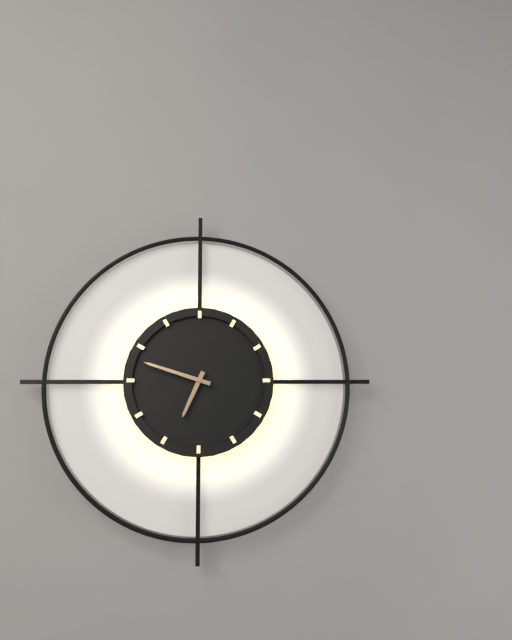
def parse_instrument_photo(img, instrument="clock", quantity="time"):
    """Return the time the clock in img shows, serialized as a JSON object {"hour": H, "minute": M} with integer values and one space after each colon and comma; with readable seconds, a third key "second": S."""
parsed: {"hour": 6, "minute": 48}
